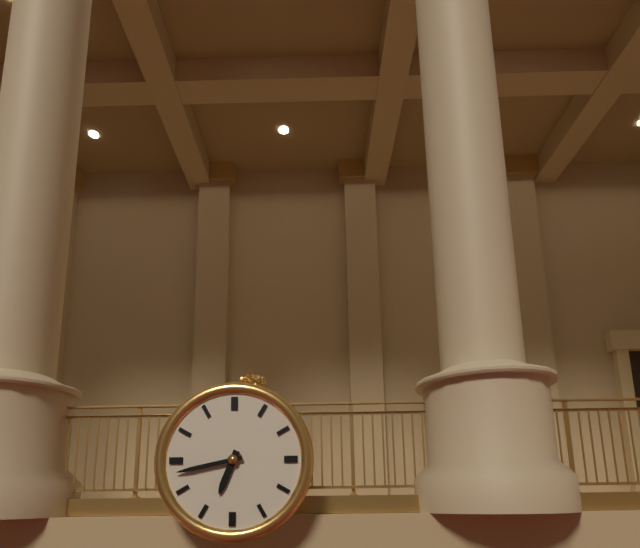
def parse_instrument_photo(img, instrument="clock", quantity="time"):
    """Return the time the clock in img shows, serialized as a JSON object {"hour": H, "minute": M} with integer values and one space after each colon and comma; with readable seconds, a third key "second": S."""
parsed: {"hour": 6, "minute": 43}
